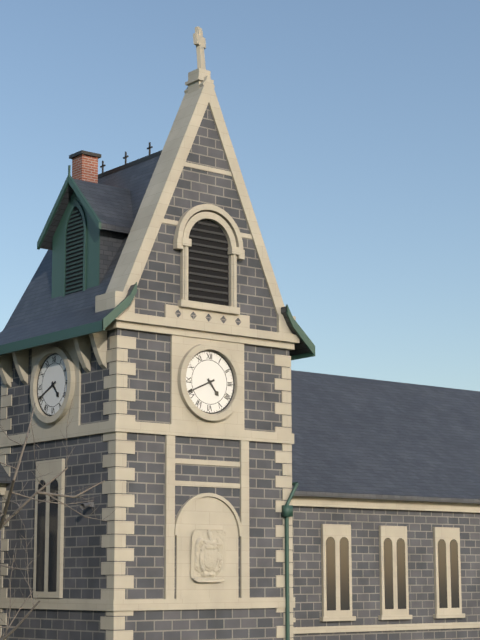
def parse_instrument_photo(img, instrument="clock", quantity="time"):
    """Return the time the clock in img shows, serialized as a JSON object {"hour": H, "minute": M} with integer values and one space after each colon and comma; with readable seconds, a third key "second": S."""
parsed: {"hour": 4, "minute": 41}
